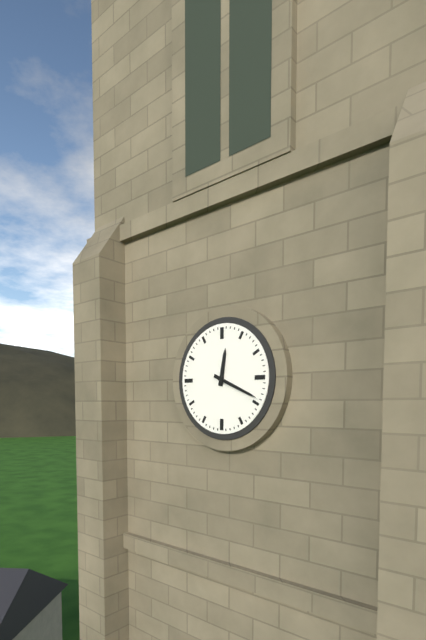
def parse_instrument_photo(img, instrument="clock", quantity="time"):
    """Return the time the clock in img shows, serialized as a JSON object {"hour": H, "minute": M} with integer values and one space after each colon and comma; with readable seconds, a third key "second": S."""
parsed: {"hour": 12, "minute": 19}
